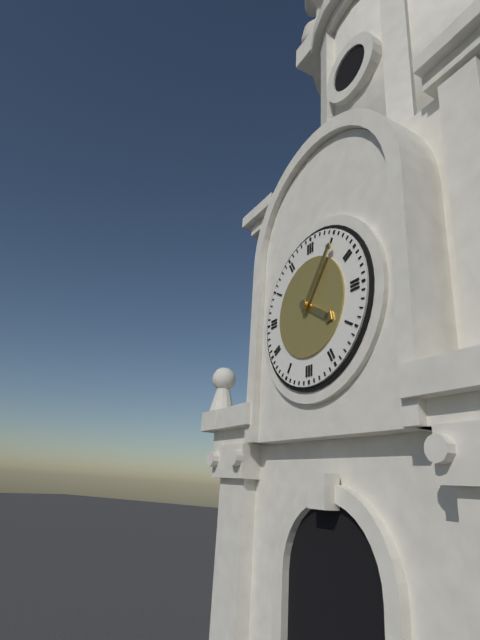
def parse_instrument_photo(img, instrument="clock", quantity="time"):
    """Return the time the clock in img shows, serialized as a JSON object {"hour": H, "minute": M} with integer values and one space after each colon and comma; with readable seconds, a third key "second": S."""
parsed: {"hour": 4, "minute": 6}
